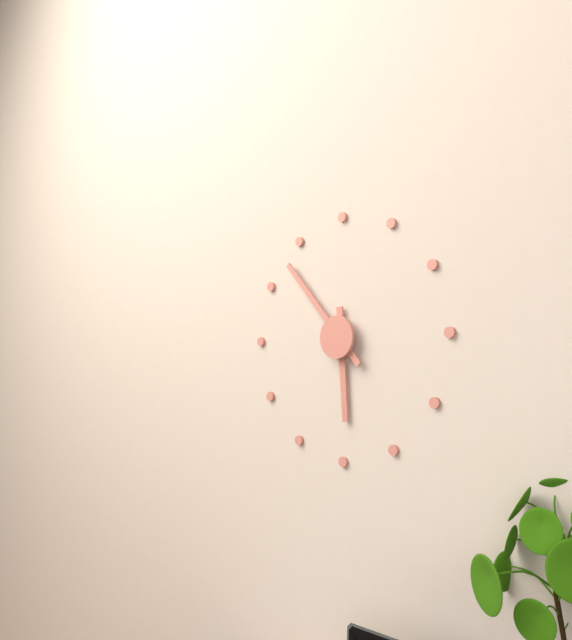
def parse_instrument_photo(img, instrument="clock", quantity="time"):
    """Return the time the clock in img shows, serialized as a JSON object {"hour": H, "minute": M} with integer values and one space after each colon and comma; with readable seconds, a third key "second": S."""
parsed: {"hour": 5, "minute": 53}
